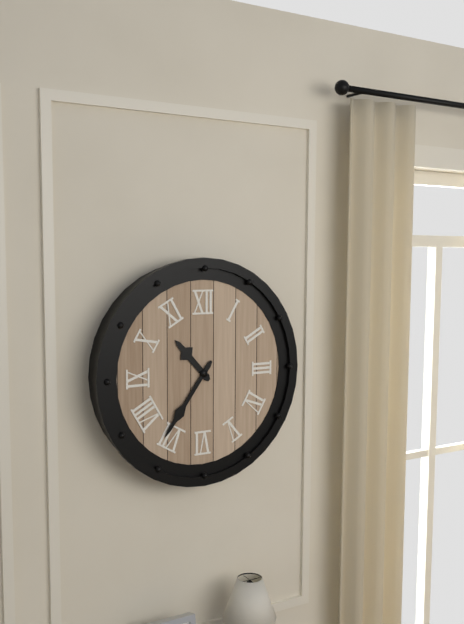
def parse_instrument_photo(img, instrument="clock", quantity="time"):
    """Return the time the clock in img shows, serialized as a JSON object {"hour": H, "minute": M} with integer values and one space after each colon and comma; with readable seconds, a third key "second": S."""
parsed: {"hour": 10, "minute": 36}
